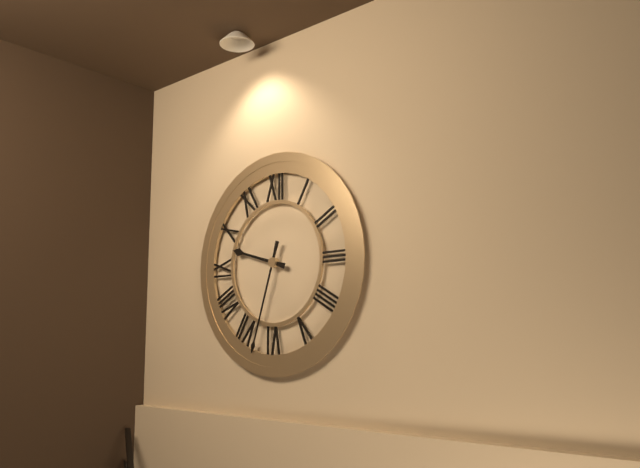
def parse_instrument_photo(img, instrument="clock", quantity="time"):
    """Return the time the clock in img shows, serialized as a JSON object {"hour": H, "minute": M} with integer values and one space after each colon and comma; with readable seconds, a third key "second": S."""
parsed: {"hour": 9, "minute": 33}
